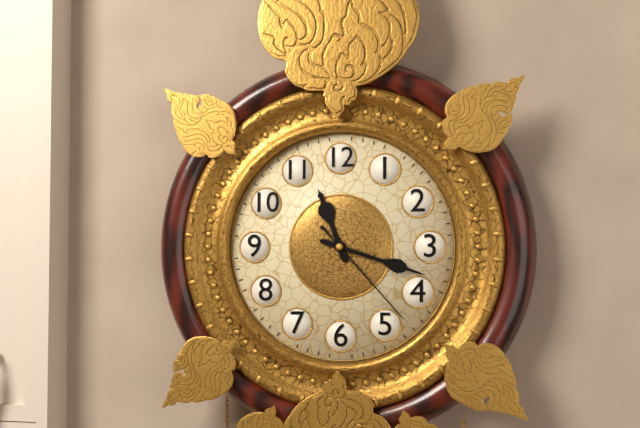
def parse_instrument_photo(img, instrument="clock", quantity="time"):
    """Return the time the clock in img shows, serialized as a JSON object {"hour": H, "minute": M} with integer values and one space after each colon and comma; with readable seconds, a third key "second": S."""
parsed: {"hour": 11, "minute": 18, "second": 23}
